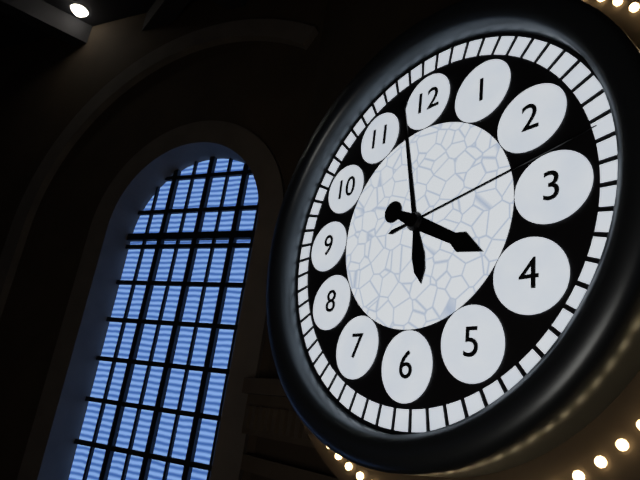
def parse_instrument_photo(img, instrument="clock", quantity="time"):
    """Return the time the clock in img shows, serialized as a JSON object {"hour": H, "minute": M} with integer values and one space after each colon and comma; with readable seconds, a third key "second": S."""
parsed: {"hour": 3, "minute": 58, "second": 13}
